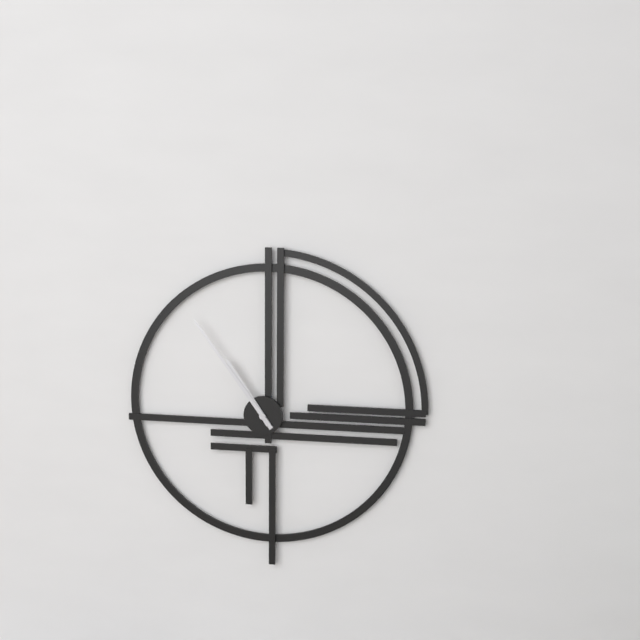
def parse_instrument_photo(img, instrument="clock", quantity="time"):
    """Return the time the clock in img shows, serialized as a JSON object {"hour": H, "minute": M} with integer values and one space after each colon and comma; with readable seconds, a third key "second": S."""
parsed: {"hour": 10, "minute": 54}
